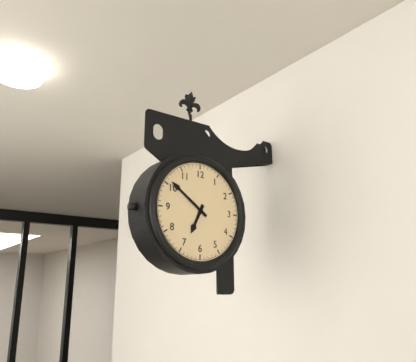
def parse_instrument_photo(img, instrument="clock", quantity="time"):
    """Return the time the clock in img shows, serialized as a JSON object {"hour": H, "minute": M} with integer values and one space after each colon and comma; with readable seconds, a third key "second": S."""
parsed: {"hour": 6, "minute": 51}
